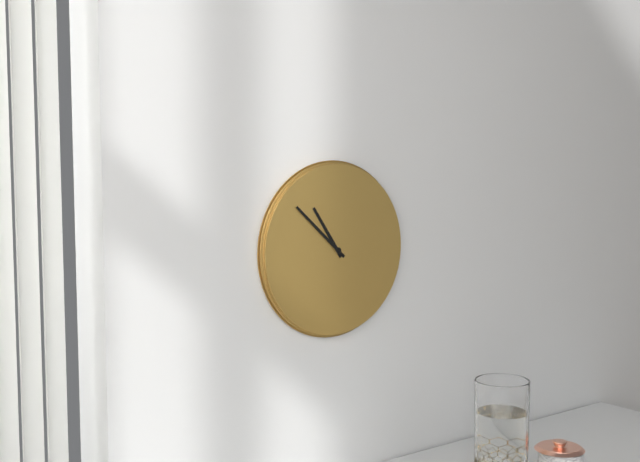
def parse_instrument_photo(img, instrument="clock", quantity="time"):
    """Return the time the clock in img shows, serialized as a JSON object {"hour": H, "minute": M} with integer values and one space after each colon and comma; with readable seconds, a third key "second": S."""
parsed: {"hour": 10, "minute": 52}
